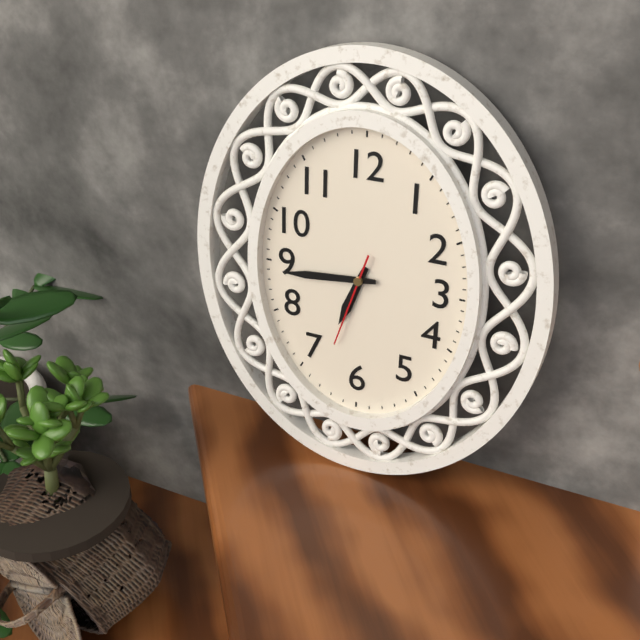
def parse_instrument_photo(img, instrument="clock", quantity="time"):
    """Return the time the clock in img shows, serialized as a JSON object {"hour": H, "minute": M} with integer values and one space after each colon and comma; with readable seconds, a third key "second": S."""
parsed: {"hour": 6, "minute": 44, "second": 33}
